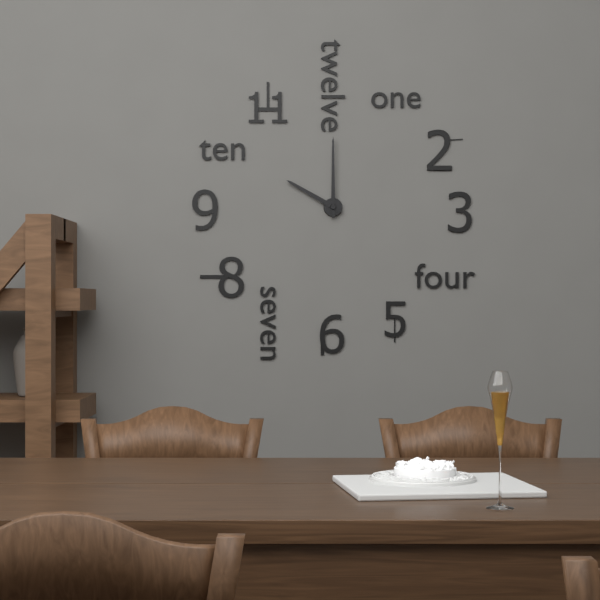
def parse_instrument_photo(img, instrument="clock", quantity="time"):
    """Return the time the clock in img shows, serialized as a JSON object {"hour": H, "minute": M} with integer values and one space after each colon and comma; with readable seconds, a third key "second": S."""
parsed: {"hour": 10, "minute": 0}
